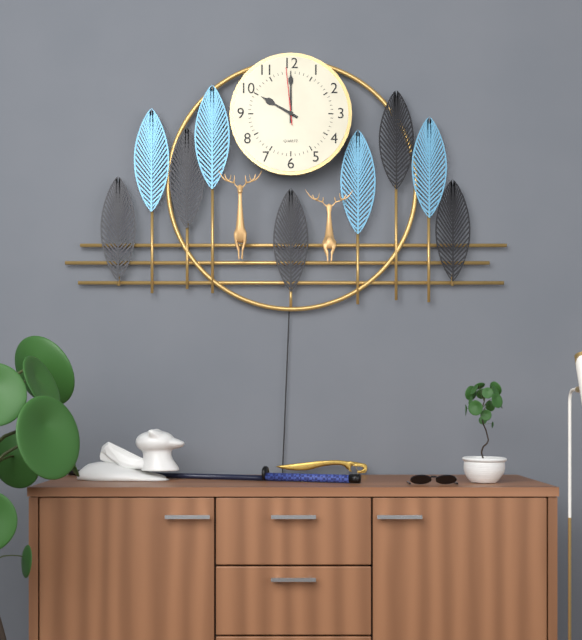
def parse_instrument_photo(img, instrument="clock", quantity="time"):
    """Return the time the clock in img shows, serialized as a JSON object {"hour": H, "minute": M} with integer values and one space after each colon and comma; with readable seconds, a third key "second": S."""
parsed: {"hour": 10, "minute": 0, "second": 59}
